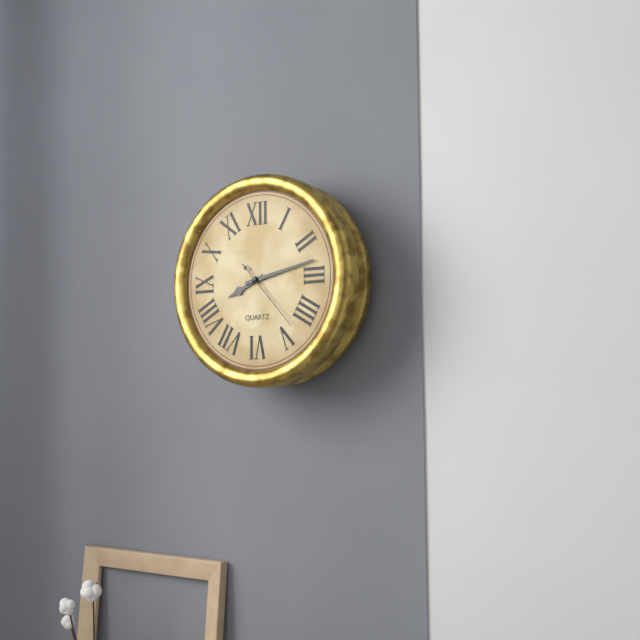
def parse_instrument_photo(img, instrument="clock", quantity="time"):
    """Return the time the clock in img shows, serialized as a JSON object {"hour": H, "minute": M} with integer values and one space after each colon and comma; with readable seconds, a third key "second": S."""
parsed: {"hour": 8, "minute": 13, "second": 23}
